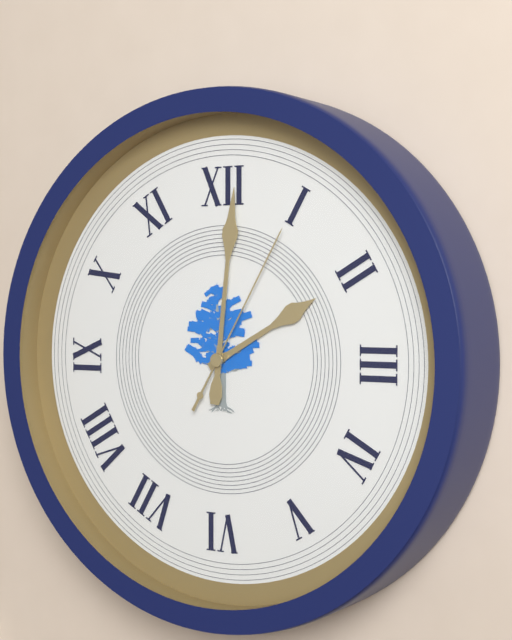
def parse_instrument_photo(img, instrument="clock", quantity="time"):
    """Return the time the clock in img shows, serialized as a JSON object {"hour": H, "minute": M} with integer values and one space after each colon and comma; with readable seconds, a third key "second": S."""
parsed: {"hour": 2, "minute": 1, "second": 5}
